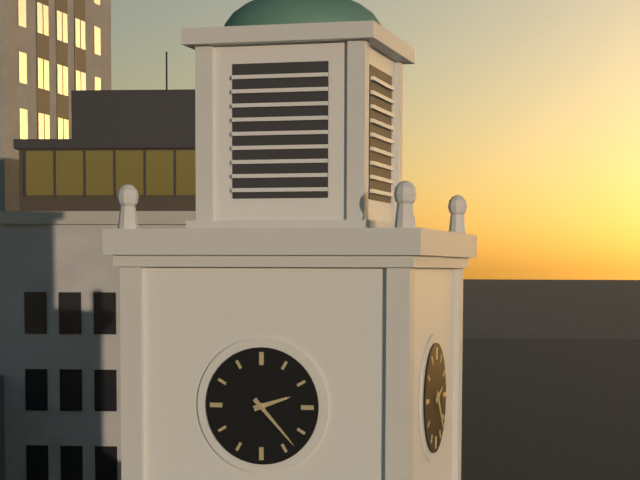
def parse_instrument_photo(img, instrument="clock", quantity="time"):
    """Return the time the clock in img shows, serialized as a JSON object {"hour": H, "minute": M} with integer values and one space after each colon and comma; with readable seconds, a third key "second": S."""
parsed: {"hour": 2, "minute": 23}
